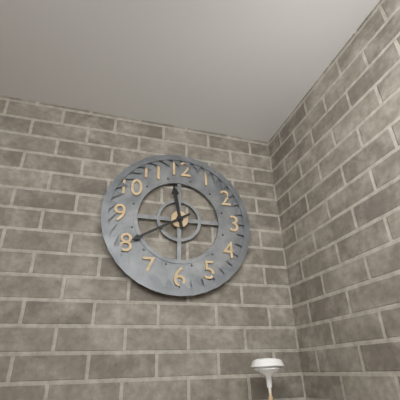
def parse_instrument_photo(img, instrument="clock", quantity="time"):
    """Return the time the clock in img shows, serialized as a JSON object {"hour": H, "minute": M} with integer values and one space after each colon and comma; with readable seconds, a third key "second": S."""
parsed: {"hour": 11, "minute": 40}
